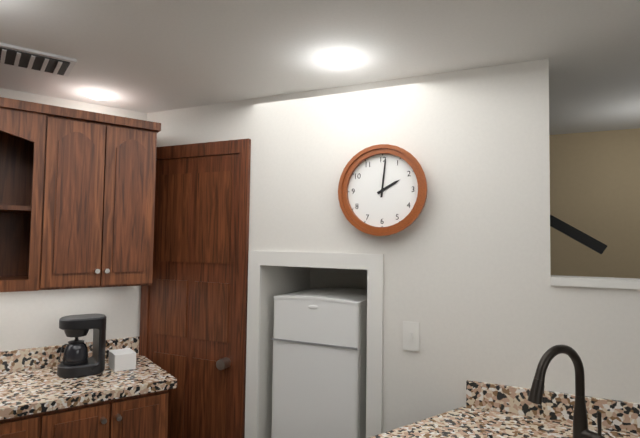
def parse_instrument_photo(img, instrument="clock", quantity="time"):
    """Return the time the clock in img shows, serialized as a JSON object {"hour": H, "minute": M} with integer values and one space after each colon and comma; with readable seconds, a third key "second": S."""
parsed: {"hour": 2, "minute": 1}
